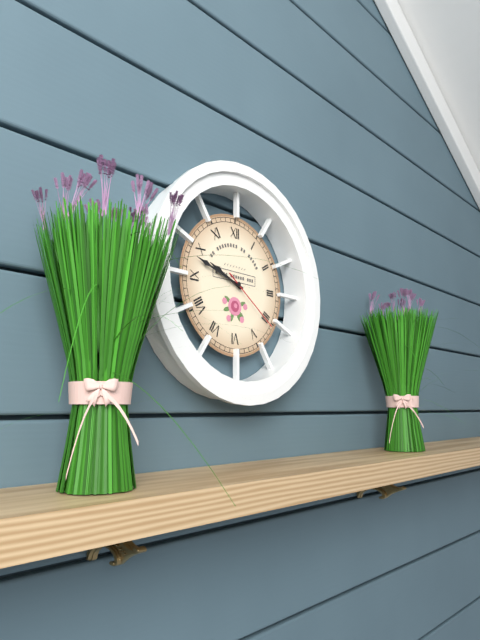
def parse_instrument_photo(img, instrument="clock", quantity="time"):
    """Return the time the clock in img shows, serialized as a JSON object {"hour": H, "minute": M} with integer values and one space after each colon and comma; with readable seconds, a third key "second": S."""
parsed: {"hour": 9, "minute": 48, "second": 21}
